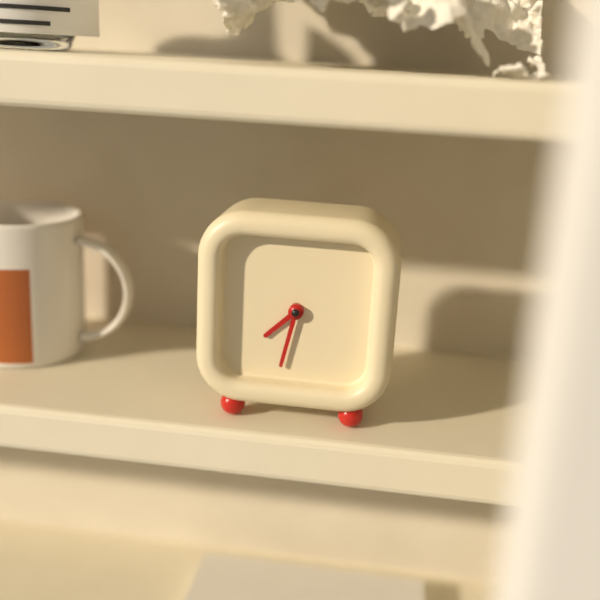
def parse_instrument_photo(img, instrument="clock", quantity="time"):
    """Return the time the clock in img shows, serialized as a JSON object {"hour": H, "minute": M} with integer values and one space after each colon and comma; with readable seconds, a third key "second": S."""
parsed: {"hour": 7, "minute": 32}
